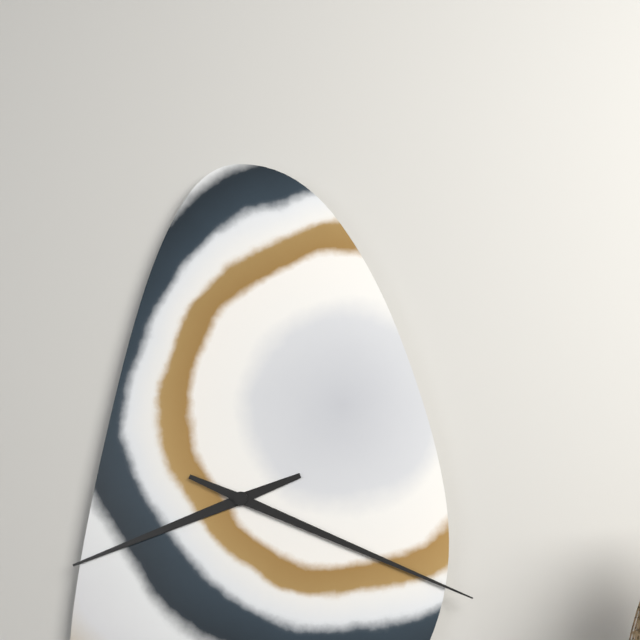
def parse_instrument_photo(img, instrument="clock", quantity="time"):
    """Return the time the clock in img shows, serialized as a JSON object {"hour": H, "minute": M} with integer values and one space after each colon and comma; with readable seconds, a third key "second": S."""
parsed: {"hour": 8, "minute": 19}
